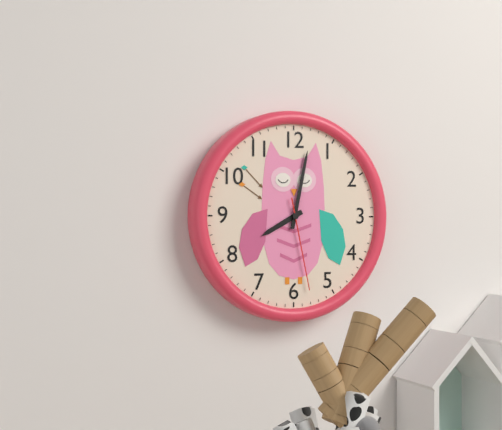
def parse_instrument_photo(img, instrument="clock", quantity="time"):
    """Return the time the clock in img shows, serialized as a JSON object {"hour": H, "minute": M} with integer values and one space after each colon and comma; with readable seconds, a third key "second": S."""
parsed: {"hour": 8, "minute": 2, "second": 28}
